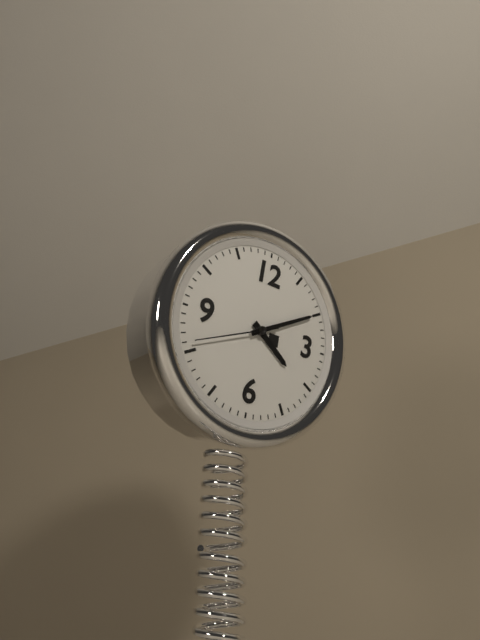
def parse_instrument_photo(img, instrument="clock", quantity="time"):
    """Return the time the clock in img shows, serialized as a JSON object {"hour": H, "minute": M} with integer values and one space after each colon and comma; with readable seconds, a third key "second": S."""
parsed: {"hour": 4, "minute": 10, "second": 41}
